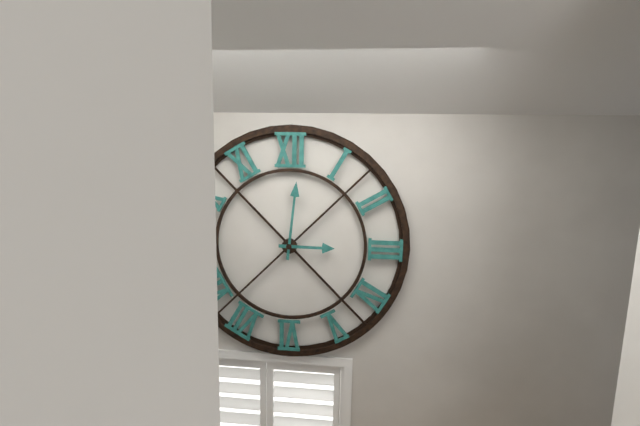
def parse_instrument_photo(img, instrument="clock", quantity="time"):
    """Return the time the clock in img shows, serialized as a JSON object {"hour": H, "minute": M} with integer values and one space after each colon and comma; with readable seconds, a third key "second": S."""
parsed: {"hour": 3, "minute": 1}
